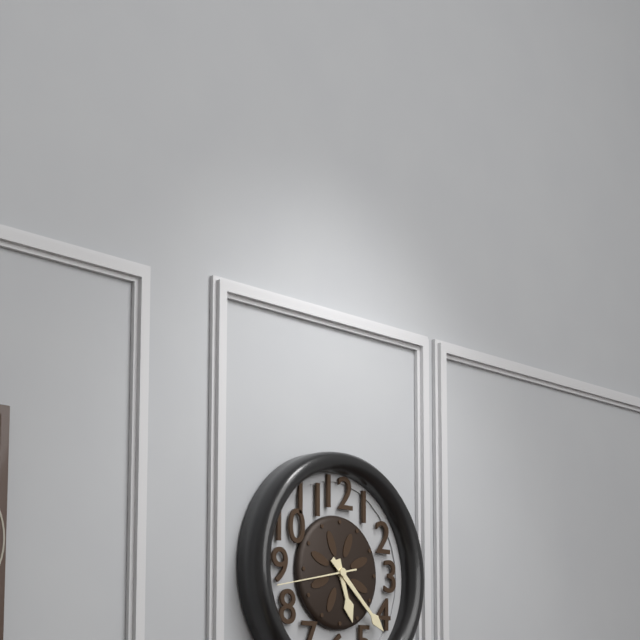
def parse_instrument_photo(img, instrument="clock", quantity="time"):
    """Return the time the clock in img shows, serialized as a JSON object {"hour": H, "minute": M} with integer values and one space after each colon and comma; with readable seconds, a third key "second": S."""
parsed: {"hour": 5, "minute": 22, "second": 43}
